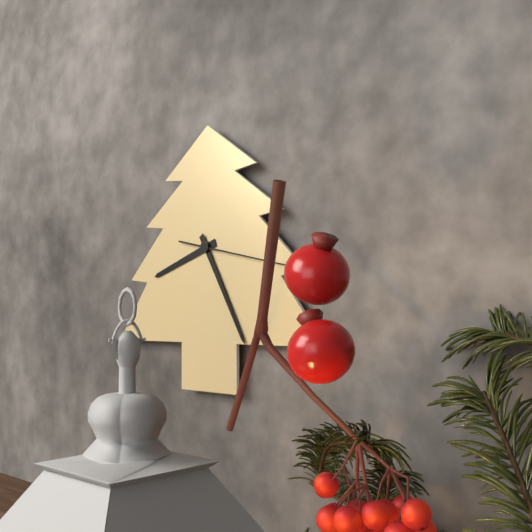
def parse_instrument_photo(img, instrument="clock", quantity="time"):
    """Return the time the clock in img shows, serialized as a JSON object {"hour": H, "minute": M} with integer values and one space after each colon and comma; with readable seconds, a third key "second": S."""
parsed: {"hour": 8, "minute": 25, "second": 17}
